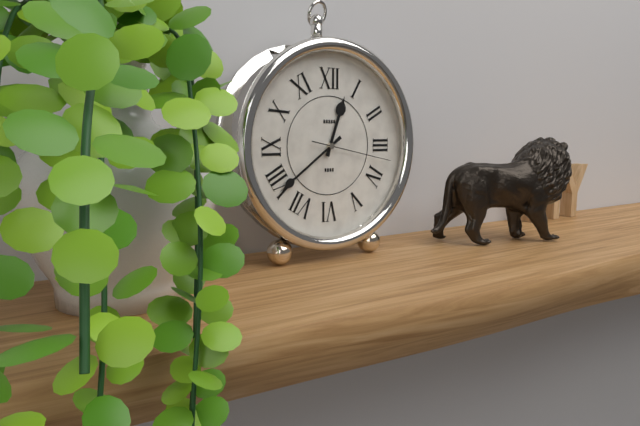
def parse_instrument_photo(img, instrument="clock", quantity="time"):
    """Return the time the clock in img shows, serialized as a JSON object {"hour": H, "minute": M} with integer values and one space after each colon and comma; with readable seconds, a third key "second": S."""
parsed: {"hour": 12, "minute": 39, "second": 17}
